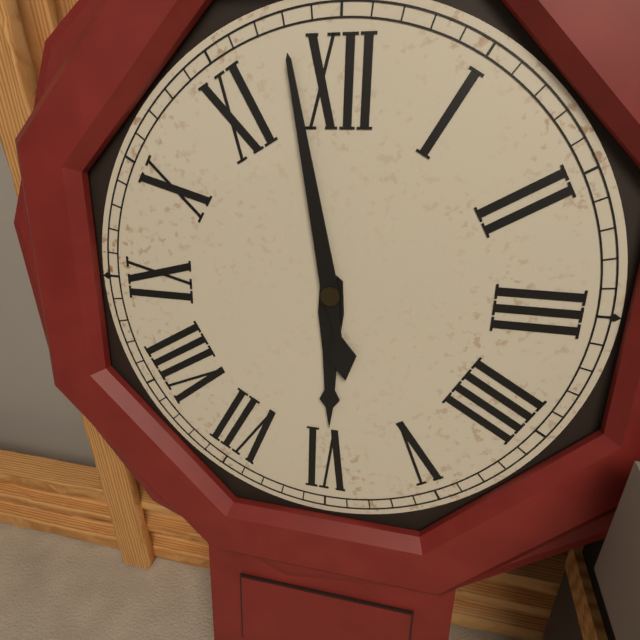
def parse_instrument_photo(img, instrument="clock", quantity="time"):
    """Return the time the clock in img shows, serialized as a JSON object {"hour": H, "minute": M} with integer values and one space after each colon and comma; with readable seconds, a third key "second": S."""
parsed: {"hour": 5, "minute": 58}
